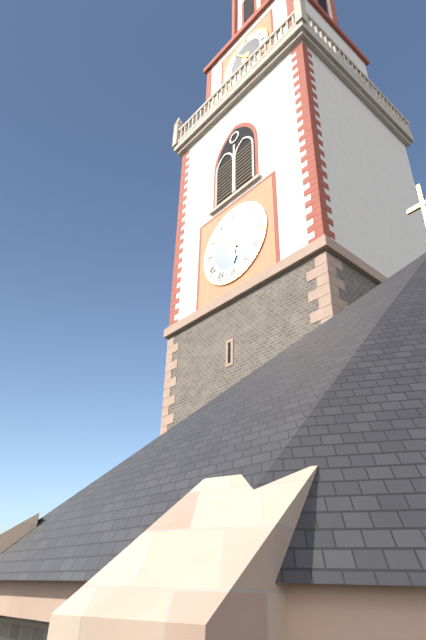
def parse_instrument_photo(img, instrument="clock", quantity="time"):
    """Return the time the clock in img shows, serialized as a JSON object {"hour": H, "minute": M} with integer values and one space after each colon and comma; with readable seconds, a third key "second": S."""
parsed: {"hour": 5, "minute": 54}
